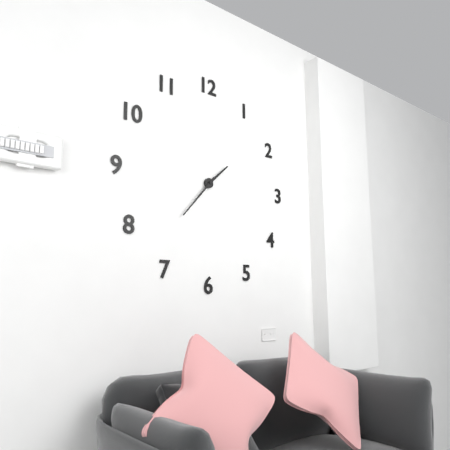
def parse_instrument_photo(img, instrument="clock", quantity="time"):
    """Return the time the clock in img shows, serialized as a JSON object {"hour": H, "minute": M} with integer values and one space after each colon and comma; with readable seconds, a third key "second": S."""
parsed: {"hour": 1, "minute": 37}
